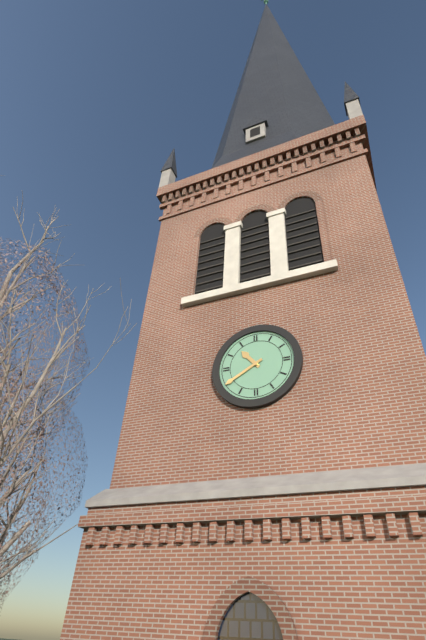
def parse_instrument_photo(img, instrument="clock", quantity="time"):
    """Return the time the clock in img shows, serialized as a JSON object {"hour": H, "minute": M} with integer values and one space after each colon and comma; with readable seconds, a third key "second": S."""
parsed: {"hour": 10, "minute": 40}
